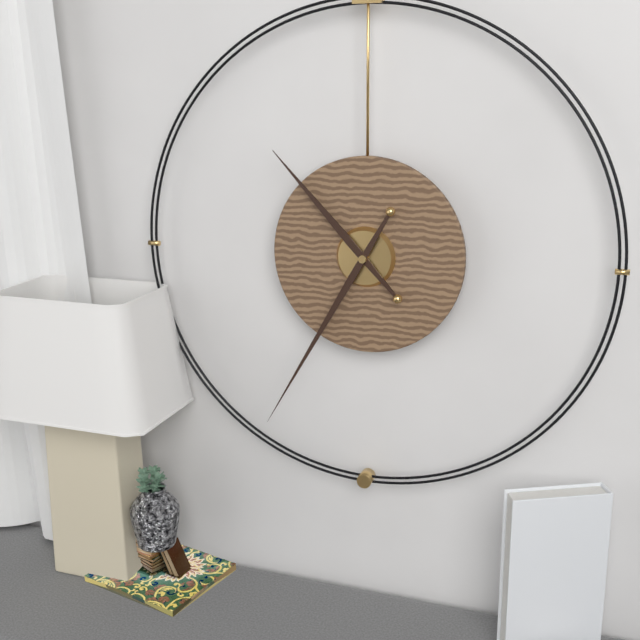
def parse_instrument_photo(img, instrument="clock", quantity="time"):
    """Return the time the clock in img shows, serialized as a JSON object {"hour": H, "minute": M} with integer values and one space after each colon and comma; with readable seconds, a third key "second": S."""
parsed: {"hour": 10, "minute": 35}
